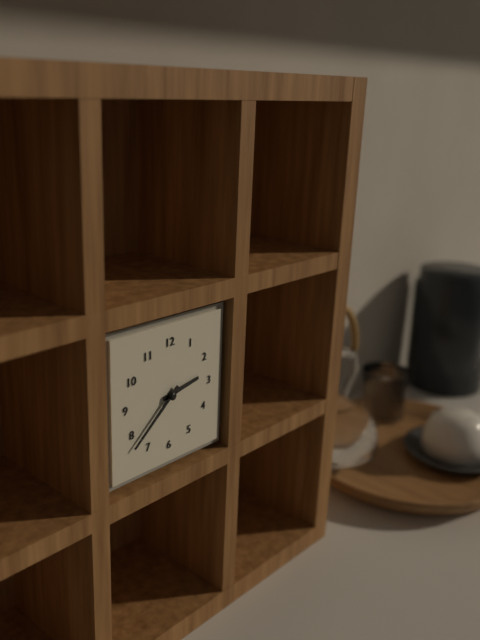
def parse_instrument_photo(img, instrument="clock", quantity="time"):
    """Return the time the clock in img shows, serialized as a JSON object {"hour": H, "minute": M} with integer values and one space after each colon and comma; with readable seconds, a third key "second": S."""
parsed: {"hour": 2, "minute": 38}
